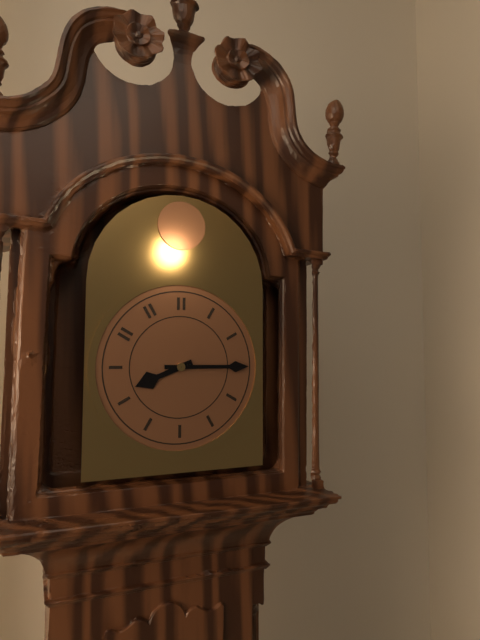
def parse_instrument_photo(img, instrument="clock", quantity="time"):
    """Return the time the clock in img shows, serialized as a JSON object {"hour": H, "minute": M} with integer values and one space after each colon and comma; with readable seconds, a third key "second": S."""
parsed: {"hour": 8, "minute": 15}
